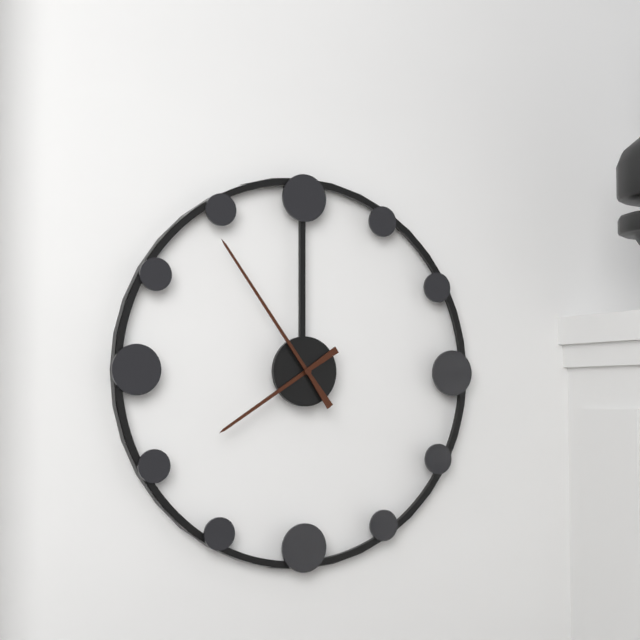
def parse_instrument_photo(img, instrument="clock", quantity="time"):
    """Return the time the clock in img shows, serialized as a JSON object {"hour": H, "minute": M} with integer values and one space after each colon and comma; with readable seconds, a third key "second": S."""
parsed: {"hour": 7, "minute": 54}
